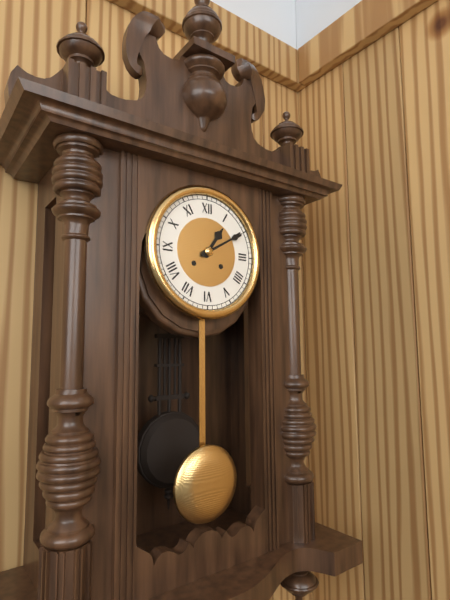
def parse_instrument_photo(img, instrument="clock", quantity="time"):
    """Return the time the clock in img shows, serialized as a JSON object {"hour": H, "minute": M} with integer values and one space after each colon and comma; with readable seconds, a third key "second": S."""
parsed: {"hour": 1, "minute": 10}
